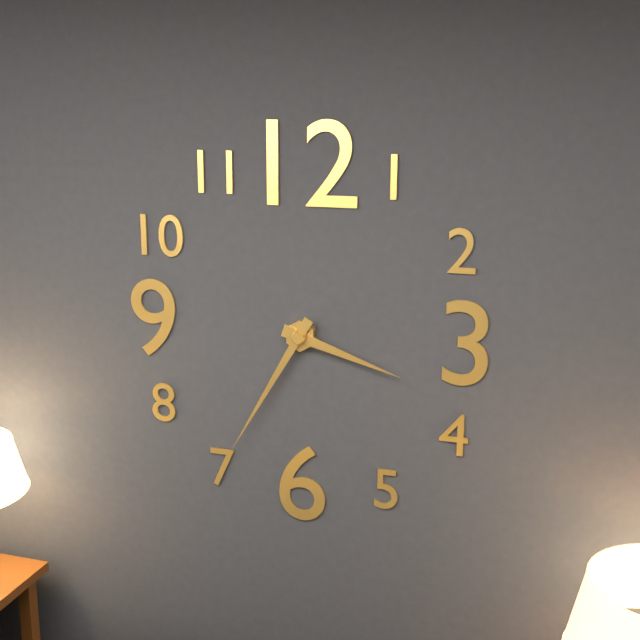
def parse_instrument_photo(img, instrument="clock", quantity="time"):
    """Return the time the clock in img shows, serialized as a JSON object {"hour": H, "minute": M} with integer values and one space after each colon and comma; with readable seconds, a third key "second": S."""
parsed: {"hour": 3, "minute": 35}
